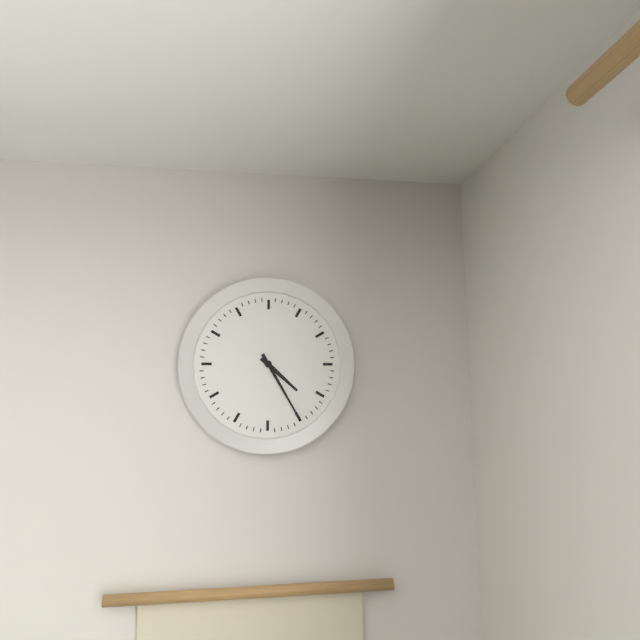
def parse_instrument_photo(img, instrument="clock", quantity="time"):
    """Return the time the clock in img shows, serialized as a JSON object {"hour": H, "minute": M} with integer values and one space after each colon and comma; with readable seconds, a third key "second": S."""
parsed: {"hour": 4, "minute": 25}
